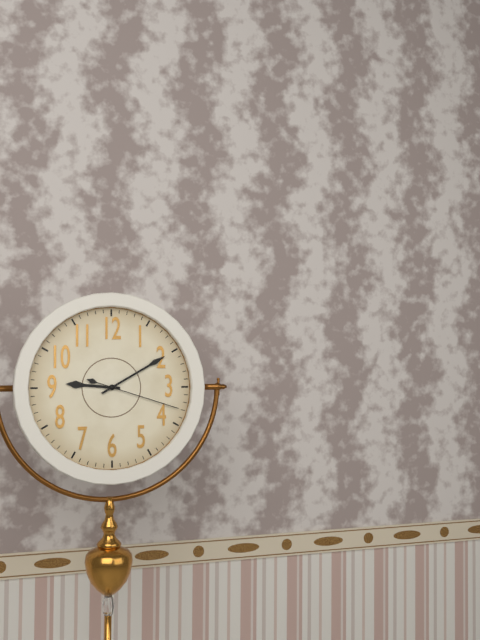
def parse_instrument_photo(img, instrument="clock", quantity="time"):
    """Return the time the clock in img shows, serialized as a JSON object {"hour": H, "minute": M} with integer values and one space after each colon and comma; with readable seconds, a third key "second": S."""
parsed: {"hour": 9, "minute": 10, "second": 18}
